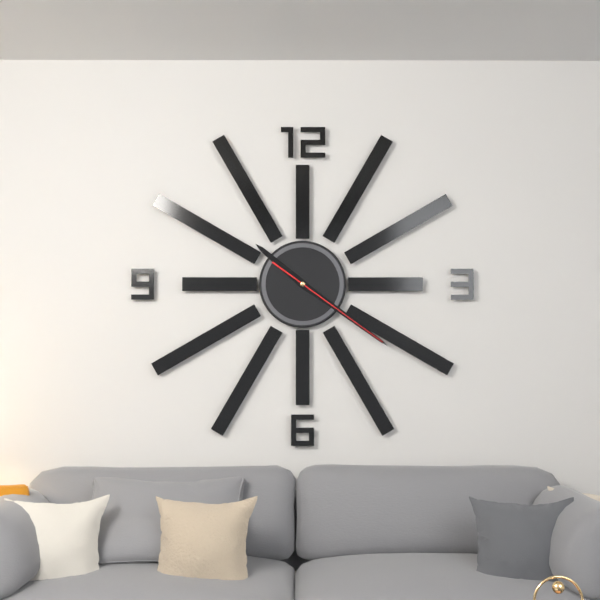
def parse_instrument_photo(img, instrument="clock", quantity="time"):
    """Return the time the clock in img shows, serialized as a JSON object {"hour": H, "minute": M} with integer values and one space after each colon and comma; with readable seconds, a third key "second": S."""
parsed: {"hour": 10, "minute": 21, "second": 21}
